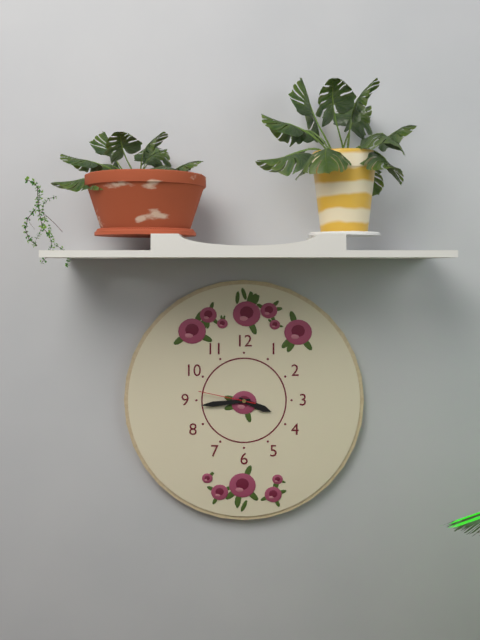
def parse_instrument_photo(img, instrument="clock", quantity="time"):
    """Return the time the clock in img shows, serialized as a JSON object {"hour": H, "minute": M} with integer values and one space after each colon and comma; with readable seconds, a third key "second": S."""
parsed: {"hour": 3, "minute": 44, "second": 47}
